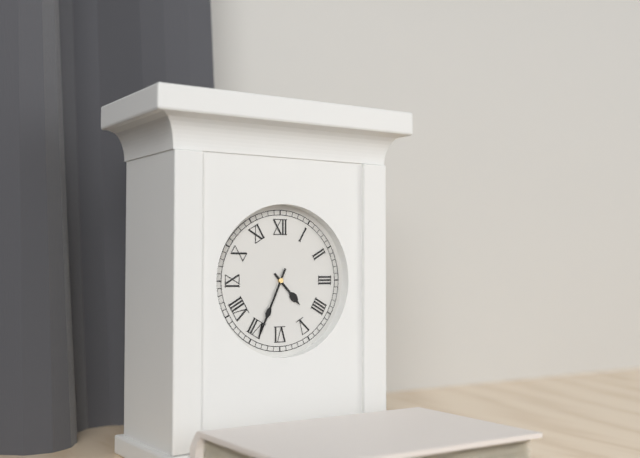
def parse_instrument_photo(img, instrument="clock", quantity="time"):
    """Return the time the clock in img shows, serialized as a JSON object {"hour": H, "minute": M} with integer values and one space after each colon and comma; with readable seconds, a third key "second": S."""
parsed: {"hour": 4, "minute": 34}
